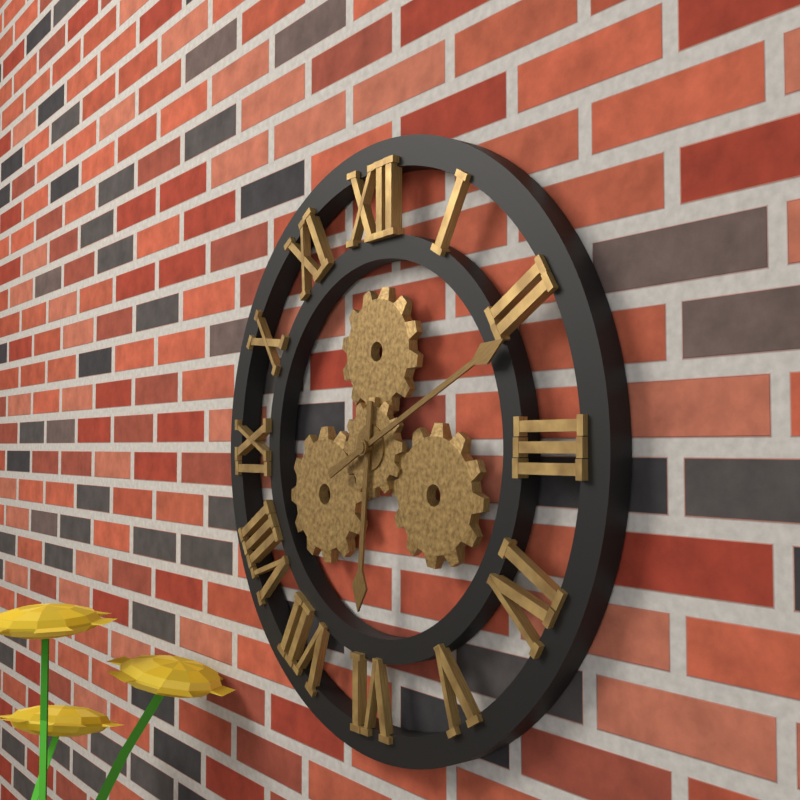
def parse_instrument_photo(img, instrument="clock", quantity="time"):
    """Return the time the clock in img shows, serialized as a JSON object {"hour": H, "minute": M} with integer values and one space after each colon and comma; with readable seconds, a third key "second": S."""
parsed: {"hour": 6, "minute": 11}
